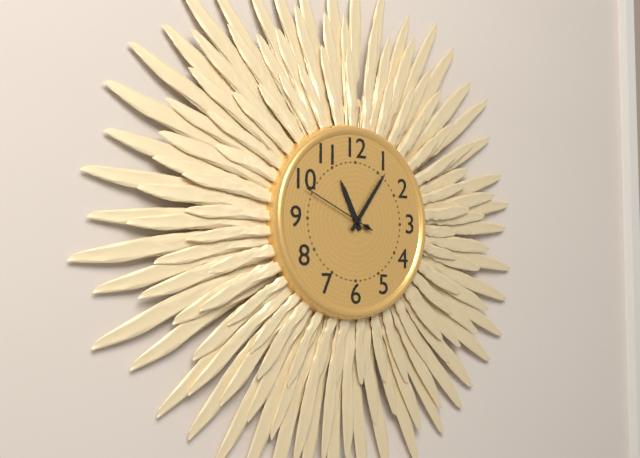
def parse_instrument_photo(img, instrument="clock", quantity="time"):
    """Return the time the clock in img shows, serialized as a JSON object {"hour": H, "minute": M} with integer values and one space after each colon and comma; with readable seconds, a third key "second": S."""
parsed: {"hour": 11, "minute": 6, "second": 49}
